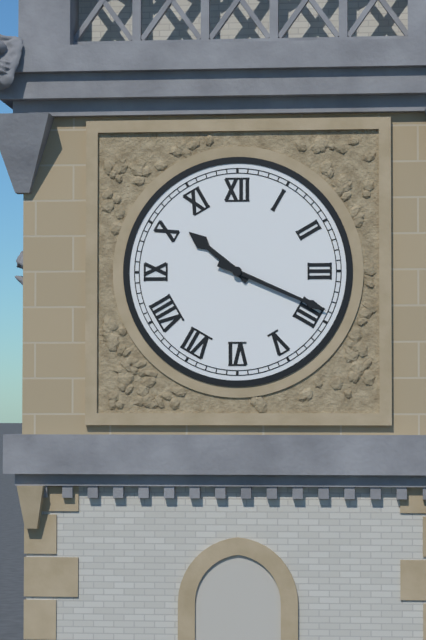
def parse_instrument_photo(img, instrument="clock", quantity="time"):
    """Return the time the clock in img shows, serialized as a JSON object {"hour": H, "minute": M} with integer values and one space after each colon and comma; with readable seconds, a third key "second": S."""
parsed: {"hour": 10, "minute": 19}
